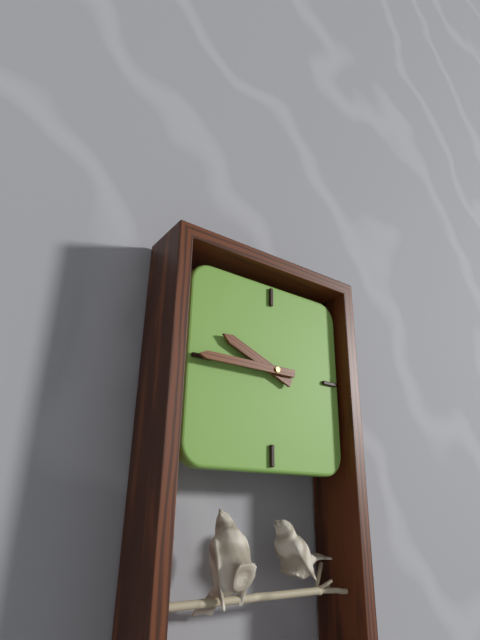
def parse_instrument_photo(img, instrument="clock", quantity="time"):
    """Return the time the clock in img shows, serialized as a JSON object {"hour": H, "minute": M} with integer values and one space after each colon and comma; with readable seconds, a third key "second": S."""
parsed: {"hour": 9, "minute": 45}
